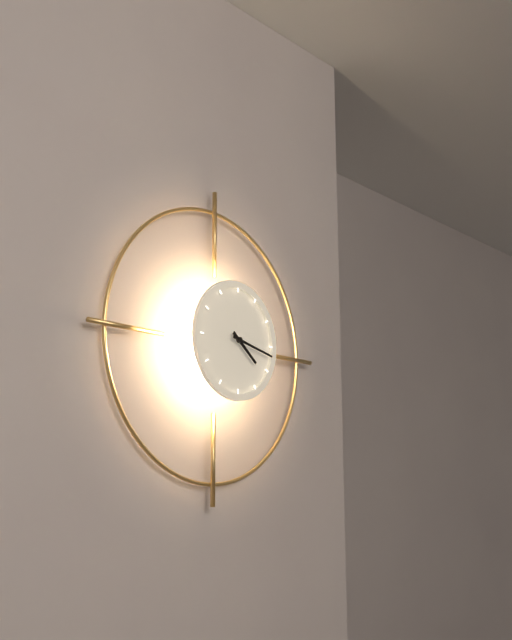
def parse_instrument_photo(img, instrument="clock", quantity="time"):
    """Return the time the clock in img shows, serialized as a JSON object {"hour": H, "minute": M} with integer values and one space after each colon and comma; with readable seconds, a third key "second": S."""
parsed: {"hour": 4, "minute": 17}
